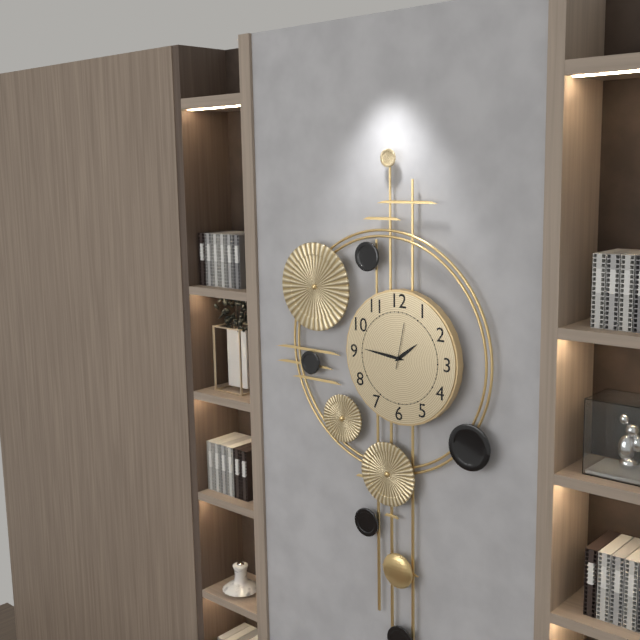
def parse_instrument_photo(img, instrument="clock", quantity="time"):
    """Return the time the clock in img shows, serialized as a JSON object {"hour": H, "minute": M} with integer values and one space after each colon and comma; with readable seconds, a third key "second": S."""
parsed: {"hour": 1, "minute": 46}
